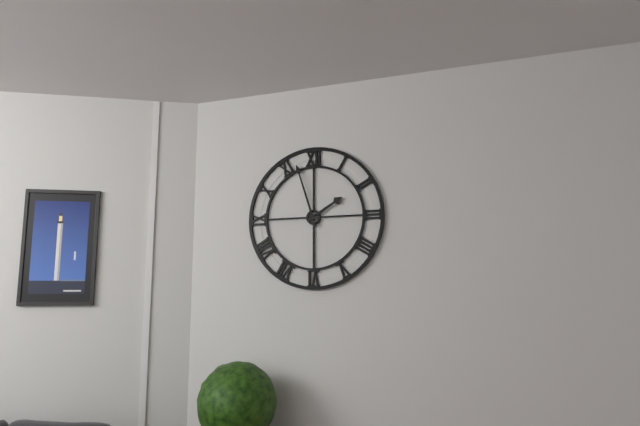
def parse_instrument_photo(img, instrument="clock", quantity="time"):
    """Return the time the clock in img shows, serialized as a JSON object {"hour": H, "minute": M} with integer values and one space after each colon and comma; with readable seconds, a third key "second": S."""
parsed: {"hour": 1, "minute": 57}
